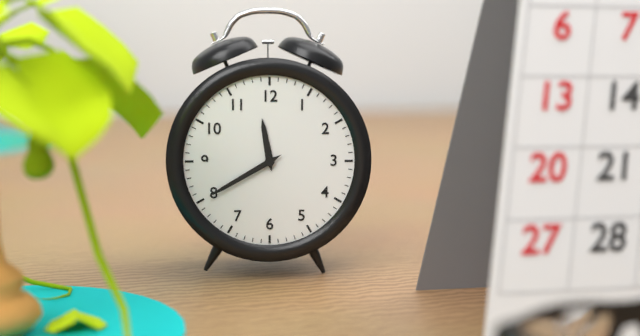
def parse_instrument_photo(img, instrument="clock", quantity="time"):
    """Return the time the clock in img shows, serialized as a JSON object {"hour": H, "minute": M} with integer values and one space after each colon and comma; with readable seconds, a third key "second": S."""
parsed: {"hour": 11, "minute": 40}
